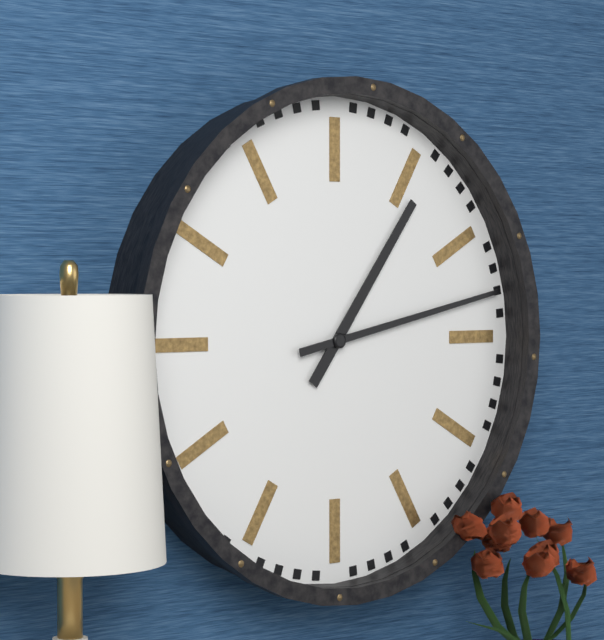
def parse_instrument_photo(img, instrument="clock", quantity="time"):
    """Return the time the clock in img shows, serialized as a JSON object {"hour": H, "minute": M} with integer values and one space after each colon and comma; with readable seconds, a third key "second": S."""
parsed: {"hour": 1, "minute": 13}
